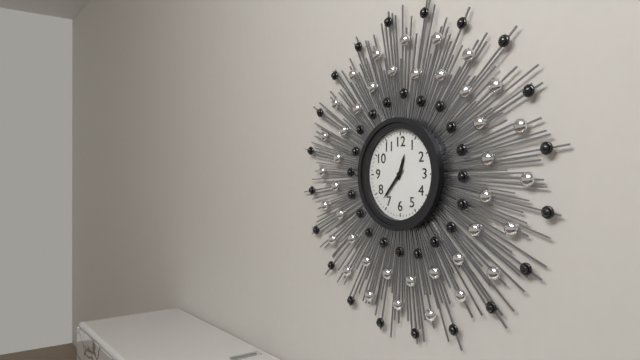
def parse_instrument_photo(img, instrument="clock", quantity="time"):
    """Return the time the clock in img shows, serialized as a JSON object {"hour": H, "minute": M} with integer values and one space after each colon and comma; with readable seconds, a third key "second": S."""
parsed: {"hour": 12, "minute": 37}
